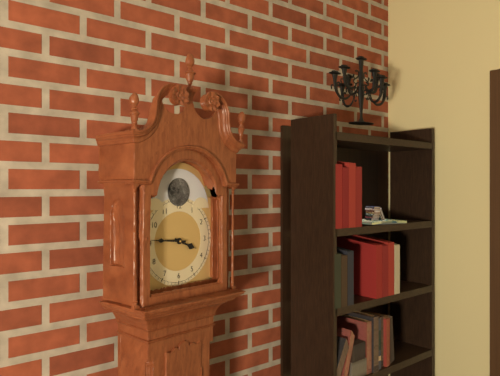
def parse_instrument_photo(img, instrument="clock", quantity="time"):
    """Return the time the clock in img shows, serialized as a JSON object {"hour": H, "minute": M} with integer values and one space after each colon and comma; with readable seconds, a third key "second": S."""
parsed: {"hour": 3, "minute": 46}
